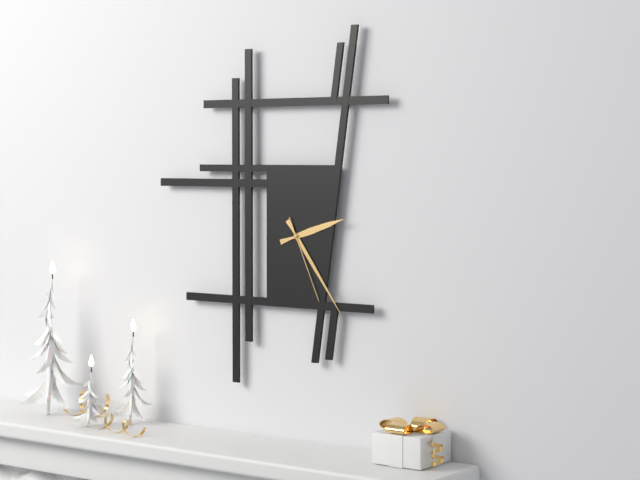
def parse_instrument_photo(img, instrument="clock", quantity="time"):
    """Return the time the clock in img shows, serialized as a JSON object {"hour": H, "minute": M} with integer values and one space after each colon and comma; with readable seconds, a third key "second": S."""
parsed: {"hour": 2, "minute": 24, "second": 26}
